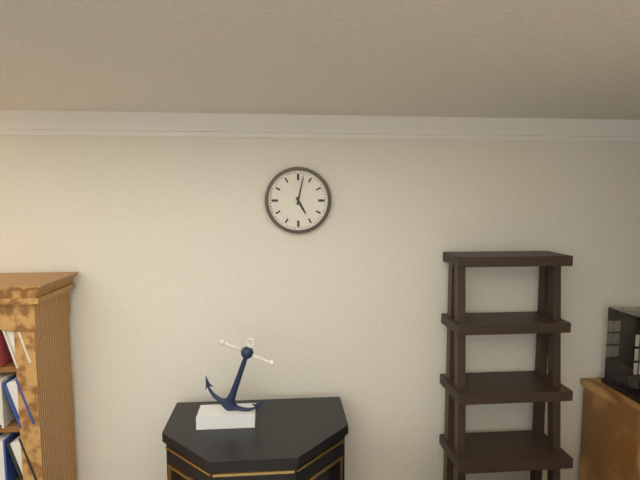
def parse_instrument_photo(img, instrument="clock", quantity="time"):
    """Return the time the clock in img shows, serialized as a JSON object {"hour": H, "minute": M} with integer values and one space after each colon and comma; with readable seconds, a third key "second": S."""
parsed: {"hour": 5, "minute": 2}
